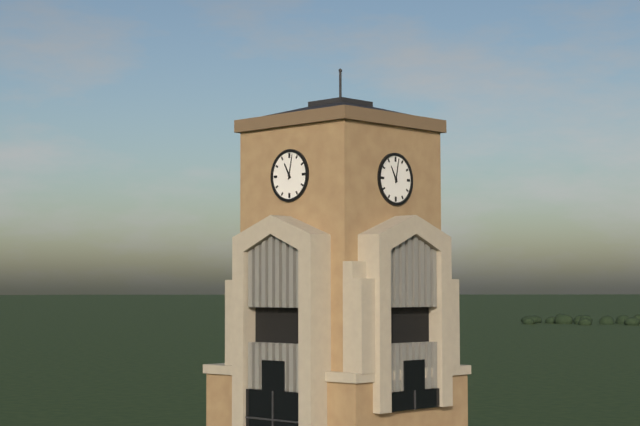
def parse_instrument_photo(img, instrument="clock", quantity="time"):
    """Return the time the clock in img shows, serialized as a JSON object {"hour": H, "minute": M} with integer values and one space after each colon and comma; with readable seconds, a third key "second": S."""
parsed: {"hour": 11, "minute": 2}
